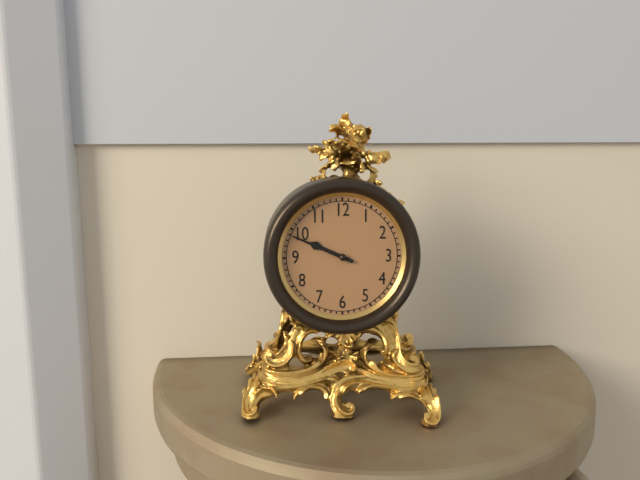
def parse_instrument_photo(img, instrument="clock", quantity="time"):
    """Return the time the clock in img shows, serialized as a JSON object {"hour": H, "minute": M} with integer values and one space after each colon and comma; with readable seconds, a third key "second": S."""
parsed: {"hour": 9, "minute": 49}
